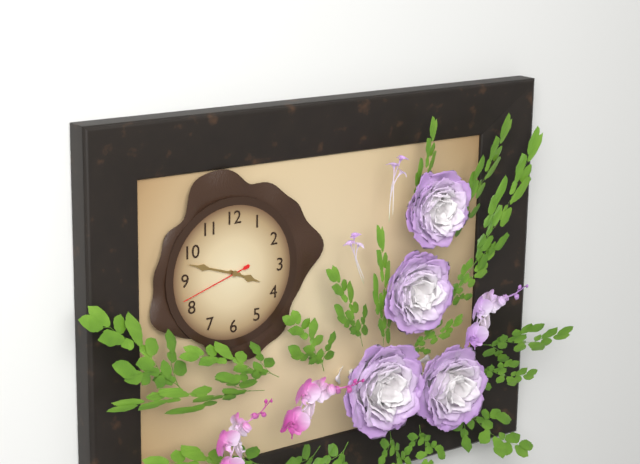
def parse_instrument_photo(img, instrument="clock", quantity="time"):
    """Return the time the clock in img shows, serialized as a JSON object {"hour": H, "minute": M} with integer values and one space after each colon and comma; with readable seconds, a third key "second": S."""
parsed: {"hour": 3, "minute": 48, "second": 42}
